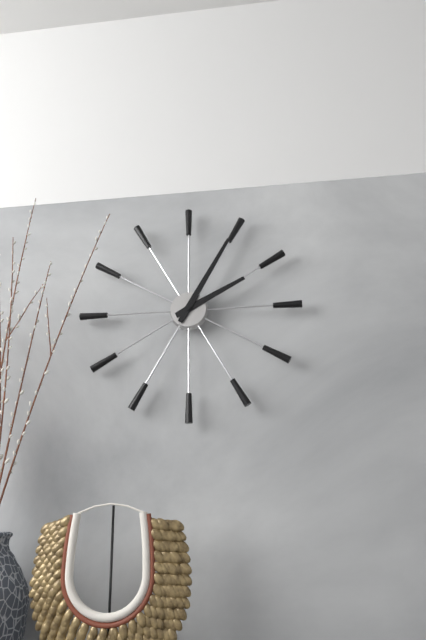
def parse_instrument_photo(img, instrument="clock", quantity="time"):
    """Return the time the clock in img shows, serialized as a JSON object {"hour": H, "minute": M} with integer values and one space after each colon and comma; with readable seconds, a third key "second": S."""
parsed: {"hour": 2, "minute": 5}
